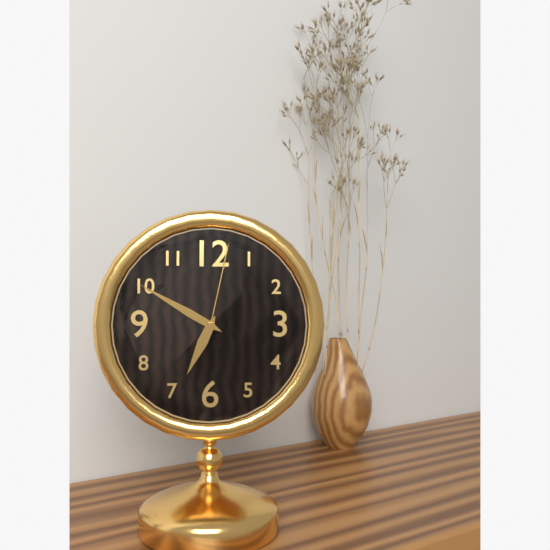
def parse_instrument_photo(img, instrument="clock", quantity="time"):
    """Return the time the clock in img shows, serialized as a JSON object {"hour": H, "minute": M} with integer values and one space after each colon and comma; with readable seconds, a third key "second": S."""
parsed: {"hour": 6, "minute": 50, "second": 2}
